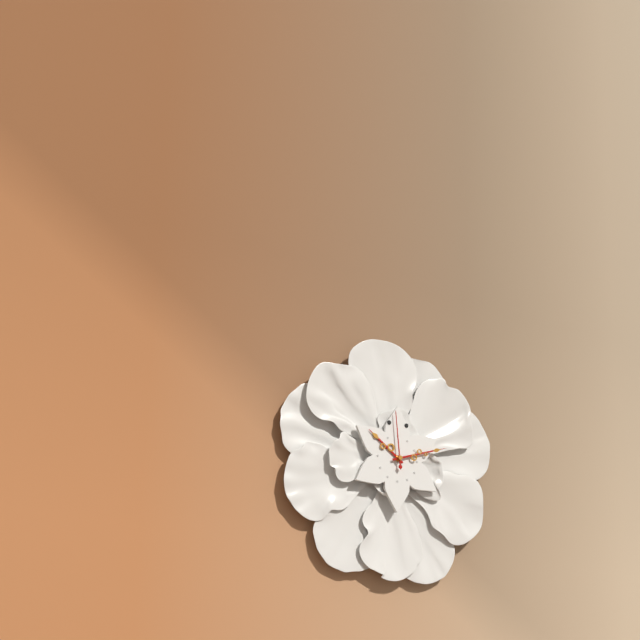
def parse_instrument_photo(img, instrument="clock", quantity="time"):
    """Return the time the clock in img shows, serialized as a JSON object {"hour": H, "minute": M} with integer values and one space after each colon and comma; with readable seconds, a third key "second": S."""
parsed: {"hour": 10, "minute": 12, "second": 59}
